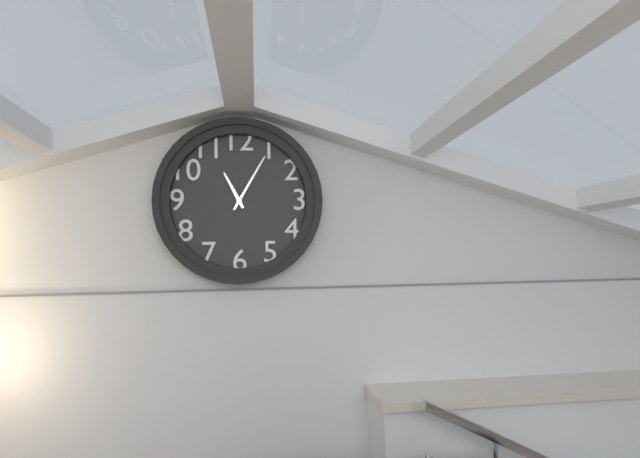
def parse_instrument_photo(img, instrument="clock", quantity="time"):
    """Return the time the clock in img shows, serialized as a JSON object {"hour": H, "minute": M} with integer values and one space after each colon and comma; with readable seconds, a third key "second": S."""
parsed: {"hour": 11, "minute": 5}
